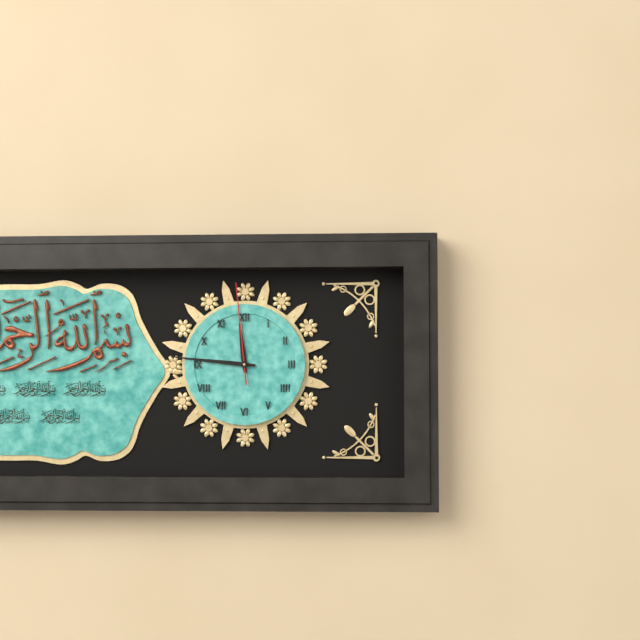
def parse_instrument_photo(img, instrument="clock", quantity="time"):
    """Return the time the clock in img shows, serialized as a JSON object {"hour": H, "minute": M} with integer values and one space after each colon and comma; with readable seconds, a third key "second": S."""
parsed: {"hour": 11, "minute": 46, "second": 59}
